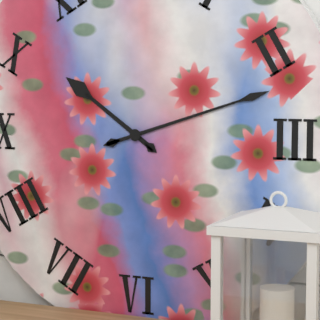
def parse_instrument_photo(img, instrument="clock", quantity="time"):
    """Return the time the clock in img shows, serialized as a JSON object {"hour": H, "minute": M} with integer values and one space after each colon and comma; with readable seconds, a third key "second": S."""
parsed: {"hour": 10, "minute": 12}
